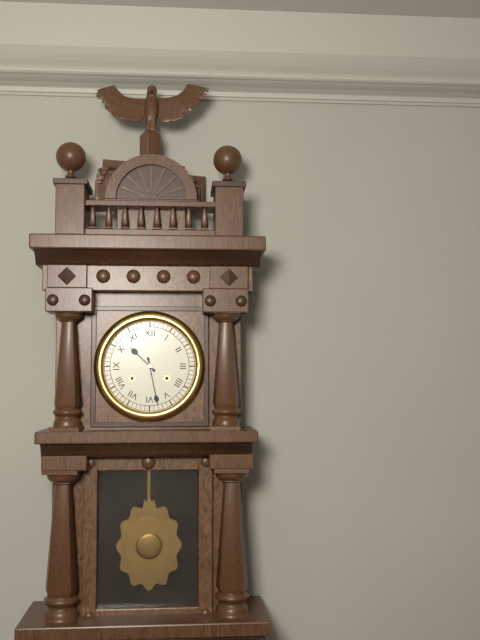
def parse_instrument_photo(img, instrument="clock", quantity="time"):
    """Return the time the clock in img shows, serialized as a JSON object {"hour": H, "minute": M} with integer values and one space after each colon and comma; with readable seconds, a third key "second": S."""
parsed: {"hour": 10, "minute": 28}
